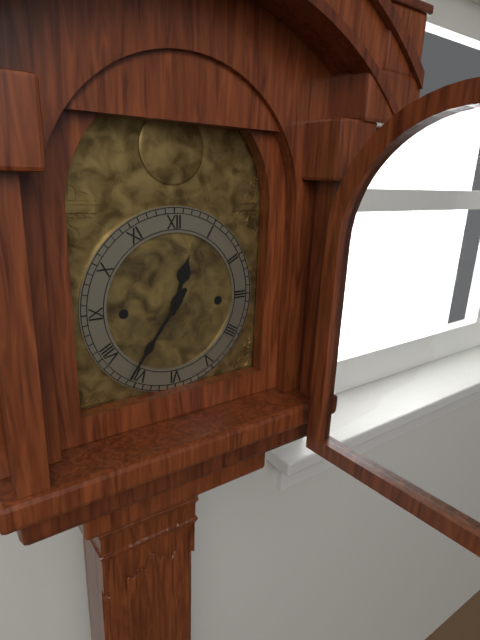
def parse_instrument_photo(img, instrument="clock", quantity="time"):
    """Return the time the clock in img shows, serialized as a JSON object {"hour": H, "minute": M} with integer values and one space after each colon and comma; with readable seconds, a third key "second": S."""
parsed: {"hour": 12, "minute": 36}
